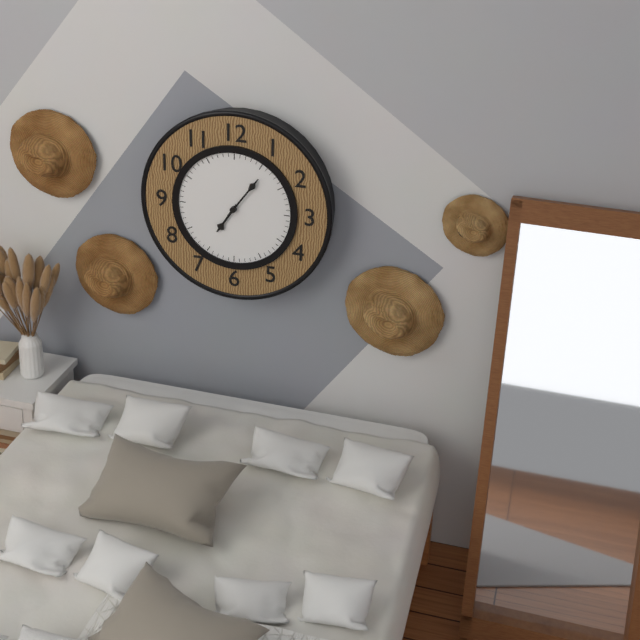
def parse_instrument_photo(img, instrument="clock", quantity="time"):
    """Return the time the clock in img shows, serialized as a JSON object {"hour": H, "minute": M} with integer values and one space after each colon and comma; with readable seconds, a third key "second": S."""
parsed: {"hour": 7, "minute": 6}
